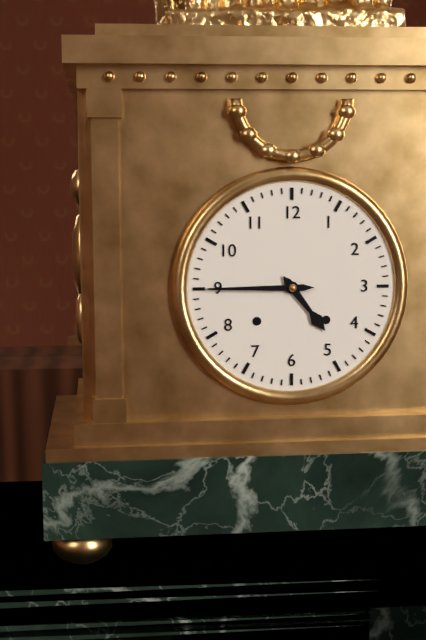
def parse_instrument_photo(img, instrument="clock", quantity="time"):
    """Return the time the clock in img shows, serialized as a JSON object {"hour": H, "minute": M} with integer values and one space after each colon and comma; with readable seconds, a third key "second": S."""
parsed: {"hour": 4, "minute": 45}
